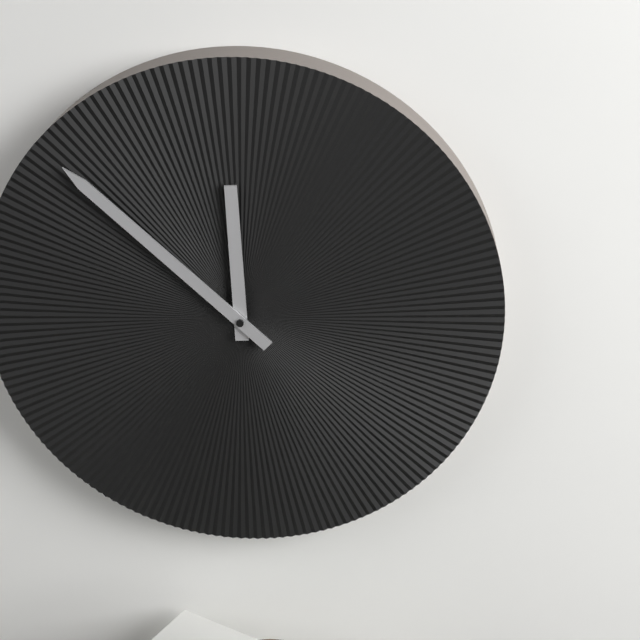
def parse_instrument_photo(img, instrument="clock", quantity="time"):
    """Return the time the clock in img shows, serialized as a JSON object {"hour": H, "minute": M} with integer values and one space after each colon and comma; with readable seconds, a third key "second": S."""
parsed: {"hour": 11, "minute": 52}
